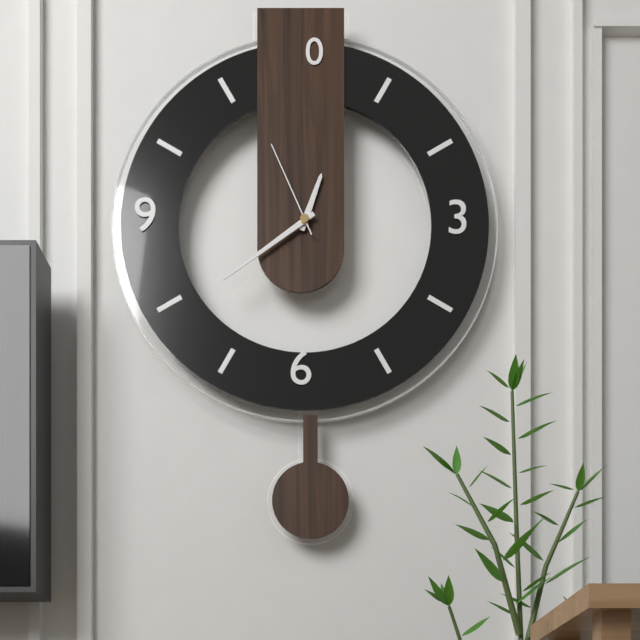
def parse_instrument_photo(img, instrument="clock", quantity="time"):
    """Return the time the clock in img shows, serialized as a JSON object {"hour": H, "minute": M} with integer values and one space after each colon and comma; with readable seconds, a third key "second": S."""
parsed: {"hour": 12, "minute": 39, "second": 56}
